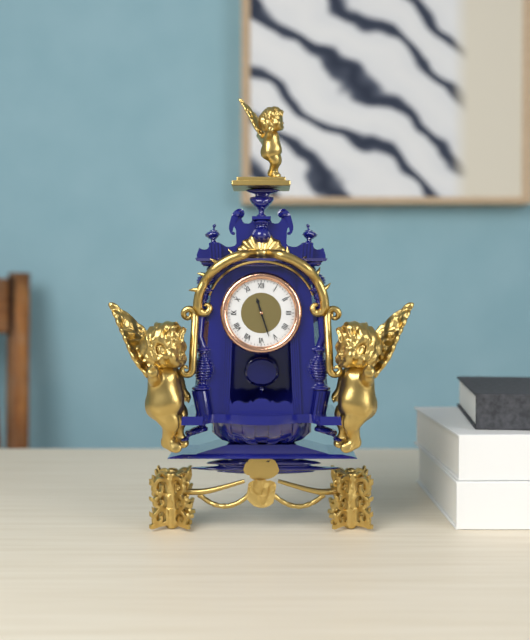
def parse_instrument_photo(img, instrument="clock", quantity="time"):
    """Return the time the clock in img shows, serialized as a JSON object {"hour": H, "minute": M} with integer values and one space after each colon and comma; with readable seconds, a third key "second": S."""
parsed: {"hour": 11, "minute": 27}
